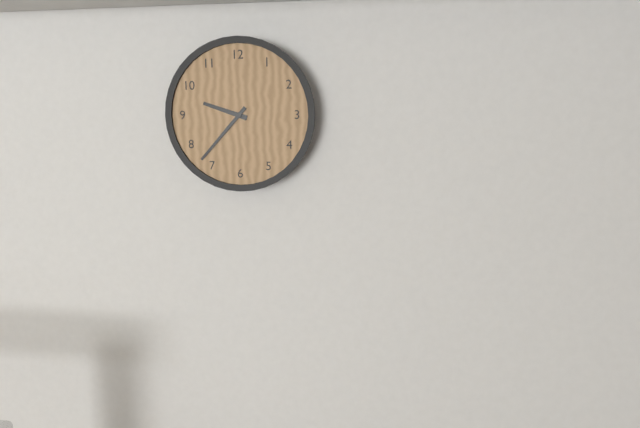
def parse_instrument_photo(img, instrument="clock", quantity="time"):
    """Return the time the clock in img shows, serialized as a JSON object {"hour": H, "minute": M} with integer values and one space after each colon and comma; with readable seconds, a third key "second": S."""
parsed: {"hour": 9, "minute": 37}
